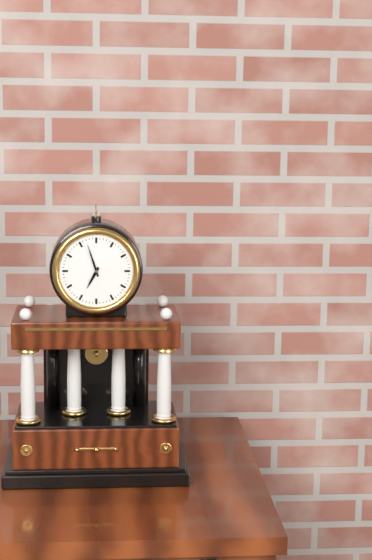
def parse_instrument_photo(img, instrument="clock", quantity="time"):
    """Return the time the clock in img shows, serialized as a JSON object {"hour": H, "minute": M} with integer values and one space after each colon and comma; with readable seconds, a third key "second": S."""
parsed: {"hour": 6, "minute": 57}
